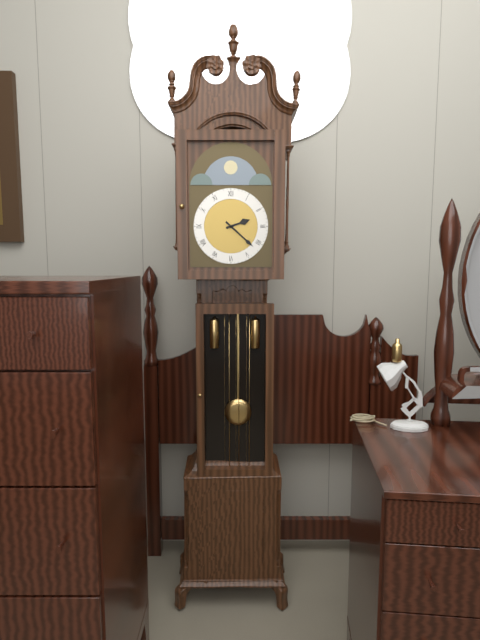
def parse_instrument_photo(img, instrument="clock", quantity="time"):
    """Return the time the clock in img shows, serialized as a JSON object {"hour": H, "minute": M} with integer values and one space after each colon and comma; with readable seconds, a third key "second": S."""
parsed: {"hour": 2, "minute": 22}
